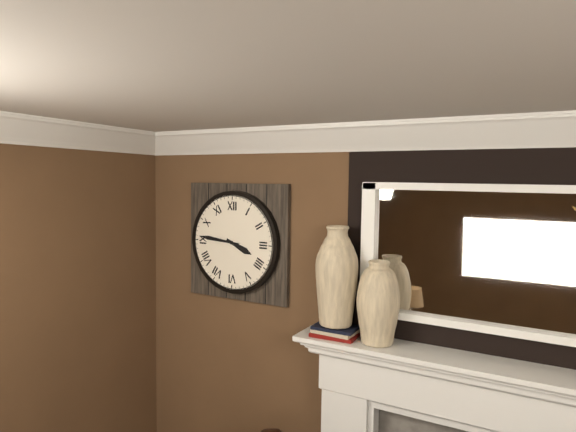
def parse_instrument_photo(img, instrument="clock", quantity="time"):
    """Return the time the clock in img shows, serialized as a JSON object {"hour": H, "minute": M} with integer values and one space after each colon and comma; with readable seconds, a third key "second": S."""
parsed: {"hour": 3, "minute": 46}
